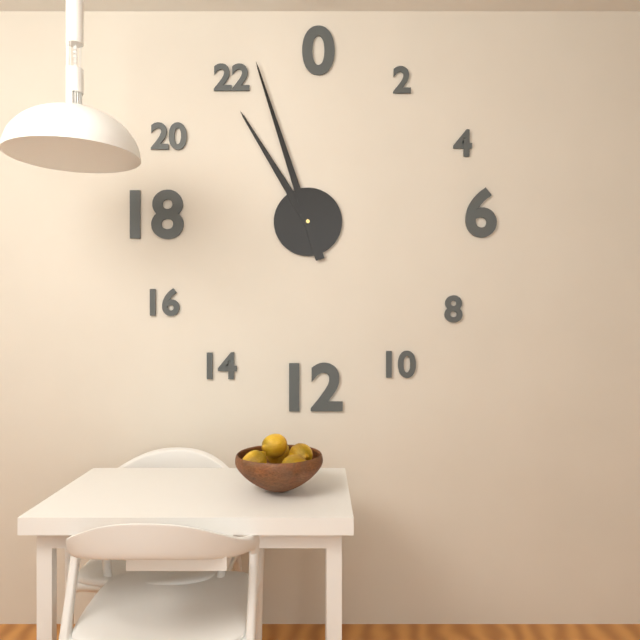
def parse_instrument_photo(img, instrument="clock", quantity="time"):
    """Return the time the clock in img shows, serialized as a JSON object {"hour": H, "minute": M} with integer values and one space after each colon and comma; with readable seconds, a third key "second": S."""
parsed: {"hour": 10, "minute": 57}
